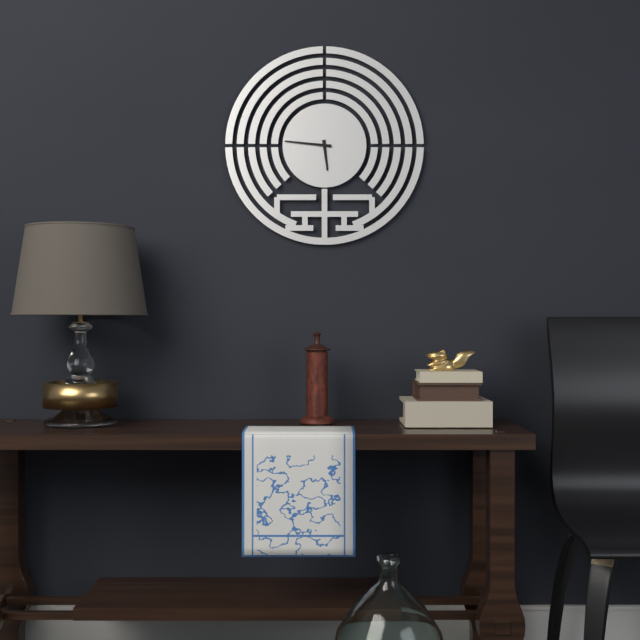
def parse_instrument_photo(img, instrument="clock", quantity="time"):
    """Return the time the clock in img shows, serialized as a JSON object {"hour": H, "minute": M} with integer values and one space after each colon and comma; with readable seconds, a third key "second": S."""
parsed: {"hour": 5, "minute": 46}
